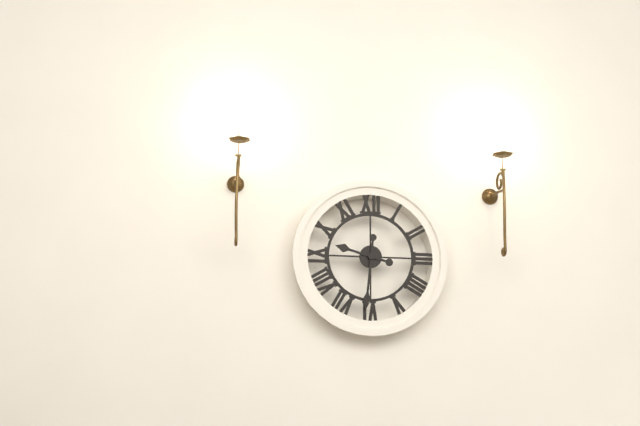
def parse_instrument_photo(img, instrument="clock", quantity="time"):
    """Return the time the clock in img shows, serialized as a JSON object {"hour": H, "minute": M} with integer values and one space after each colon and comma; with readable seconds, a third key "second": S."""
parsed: {"hour": 9, "minute": 31}
